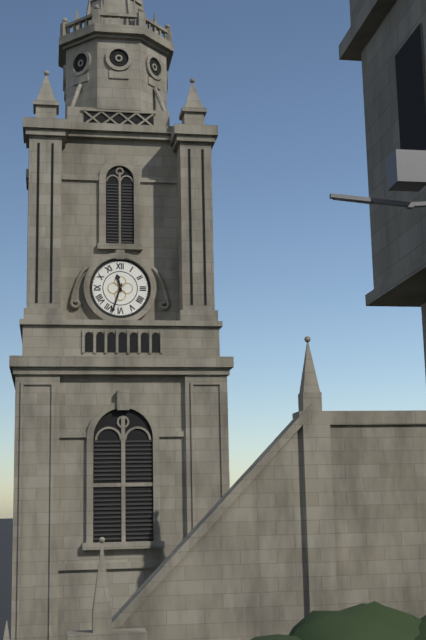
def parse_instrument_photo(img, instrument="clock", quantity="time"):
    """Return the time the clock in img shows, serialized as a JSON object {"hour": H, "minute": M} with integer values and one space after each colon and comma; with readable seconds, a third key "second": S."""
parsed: {"hour": 11, "minute": 33}
